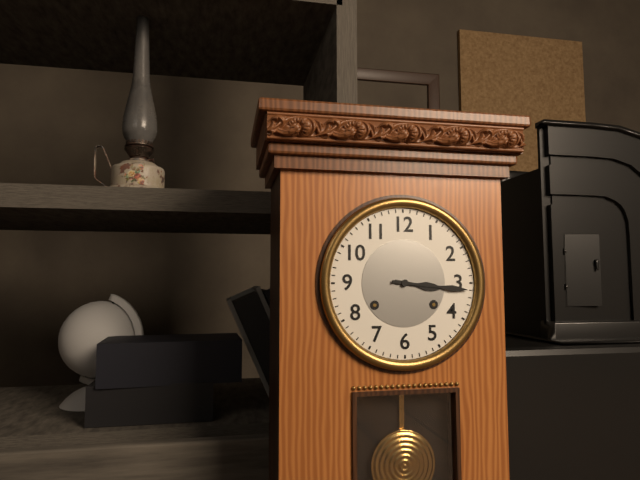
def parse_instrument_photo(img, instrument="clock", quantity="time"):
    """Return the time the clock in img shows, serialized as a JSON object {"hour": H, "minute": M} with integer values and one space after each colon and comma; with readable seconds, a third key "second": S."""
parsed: {"hour": 3, "minute": 16}
